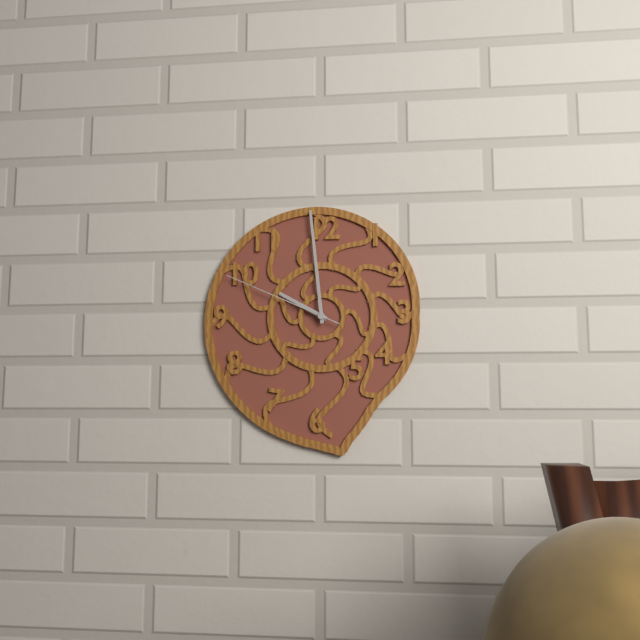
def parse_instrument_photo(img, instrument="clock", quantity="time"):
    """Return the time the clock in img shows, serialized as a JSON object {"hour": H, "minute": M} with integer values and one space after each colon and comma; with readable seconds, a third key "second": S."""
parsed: {"hour": 9, "minute": 59, "second": 49}
